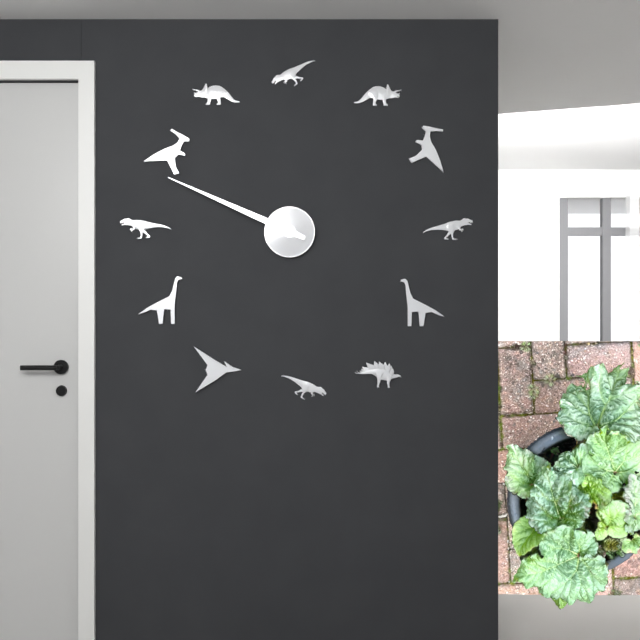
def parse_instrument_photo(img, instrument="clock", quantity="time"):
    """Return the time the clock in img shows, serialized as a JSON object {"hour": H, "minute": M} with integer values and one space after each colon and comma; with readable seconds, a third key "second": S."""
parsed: {"hour": 9, "minute": 49}
